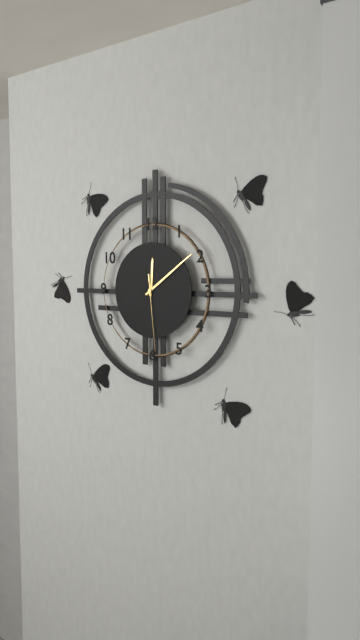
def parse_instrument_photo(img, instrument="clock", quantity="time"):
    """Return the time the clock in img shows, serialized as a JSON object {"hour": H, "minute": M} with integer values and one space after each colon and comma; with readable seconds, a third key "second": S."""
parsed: {"hour": 12, "minute": 9, "second": 29}
